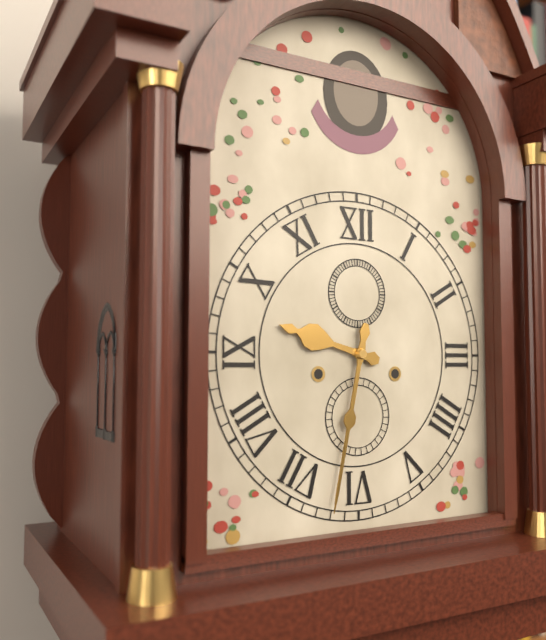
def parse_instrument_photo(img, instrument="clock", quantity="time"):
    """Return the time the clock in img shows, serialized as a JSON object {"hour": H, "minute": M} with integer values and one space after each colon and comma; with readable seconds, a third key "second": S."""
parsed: {"hour": 9, "minute": 32}
